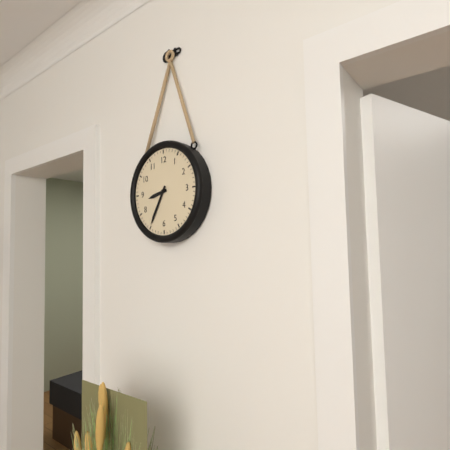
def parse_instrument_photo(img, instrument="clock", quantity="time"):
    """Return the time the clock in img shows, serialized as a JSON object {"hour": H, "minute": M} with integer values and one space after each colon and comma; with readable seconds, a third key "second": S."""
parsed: {"hour": 8, "minute": 35}
